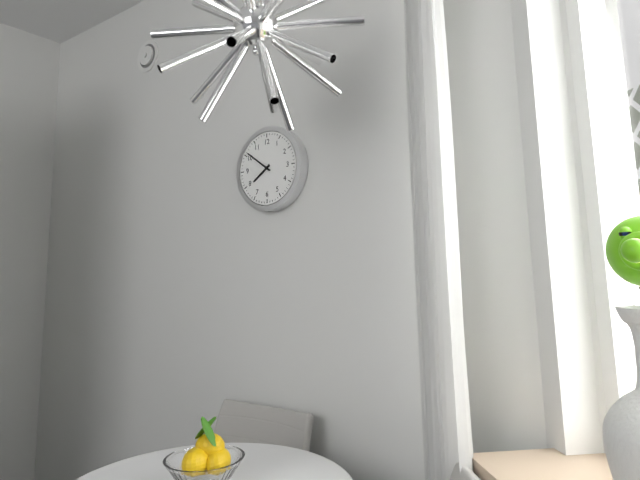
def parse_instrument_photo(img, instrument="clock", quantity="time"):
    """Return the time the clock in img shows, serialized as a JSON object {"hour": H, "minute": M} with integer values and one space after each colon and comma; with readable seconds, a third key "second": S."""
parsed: {"hour": 7, "minute": 51}
